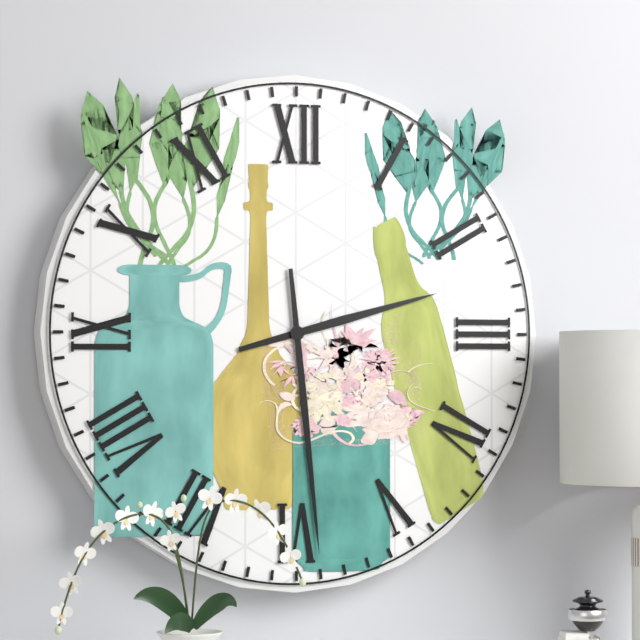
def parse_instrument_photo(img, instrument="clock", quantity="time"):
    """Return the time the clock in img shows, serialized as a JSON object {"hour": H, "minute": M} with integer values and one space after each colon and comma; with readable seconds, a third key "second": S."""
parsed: {"hour": 2, "minute": 29}
